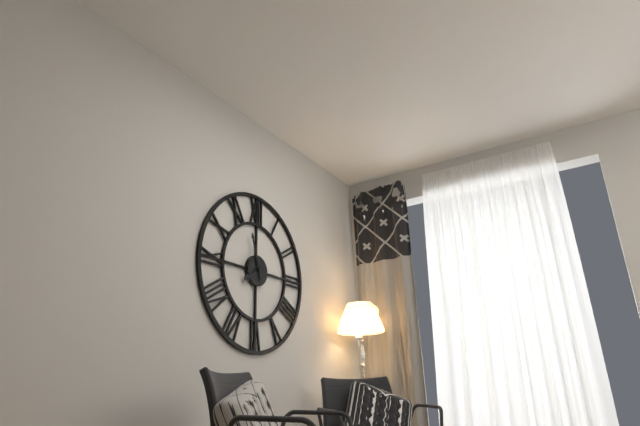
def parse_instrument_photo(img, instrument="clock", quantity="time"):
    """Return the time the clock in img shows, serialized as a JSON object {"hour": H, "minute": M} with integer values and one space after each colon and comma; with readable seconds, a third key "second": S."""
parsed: {"hour": 7, "minute": 57}
